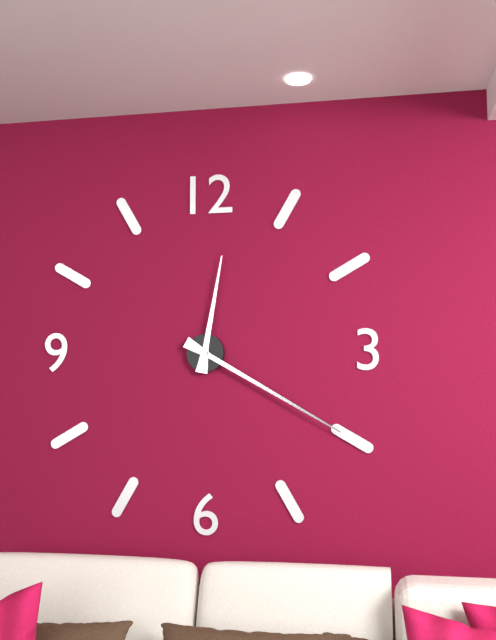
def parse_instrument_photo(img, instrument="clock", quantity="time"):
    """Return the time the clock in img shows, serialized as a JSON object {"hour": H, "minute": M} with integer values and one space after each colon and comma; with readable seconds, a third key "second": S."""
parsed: {"hour": 12, "minute": 20}
